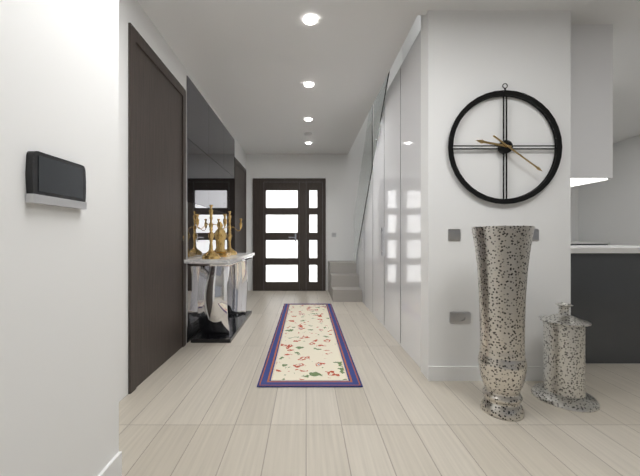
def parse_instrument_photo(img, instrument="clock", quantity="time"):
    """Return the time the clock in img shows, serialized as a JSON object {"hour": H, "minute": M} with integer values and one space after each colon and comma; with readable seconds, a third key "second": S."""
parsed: {"hour": 9, "minute": 21}
